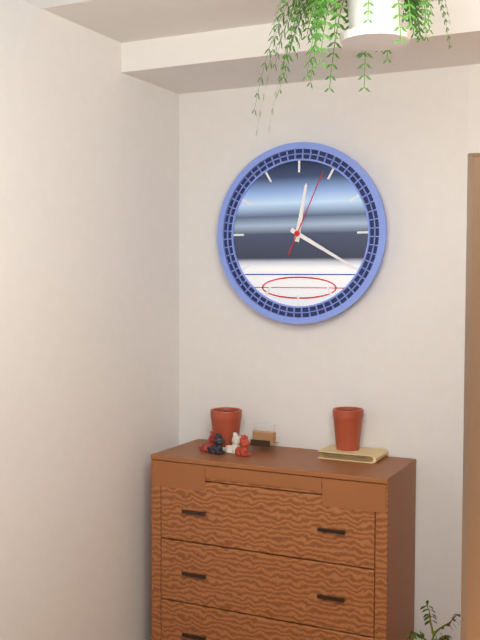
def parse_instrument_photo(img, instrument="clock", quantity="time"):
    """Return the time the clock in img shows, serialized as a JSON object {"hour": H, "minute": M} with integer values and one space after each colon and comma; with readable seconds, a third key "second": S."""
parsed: {"hour": 12, "minute": 20, "second": 4}
